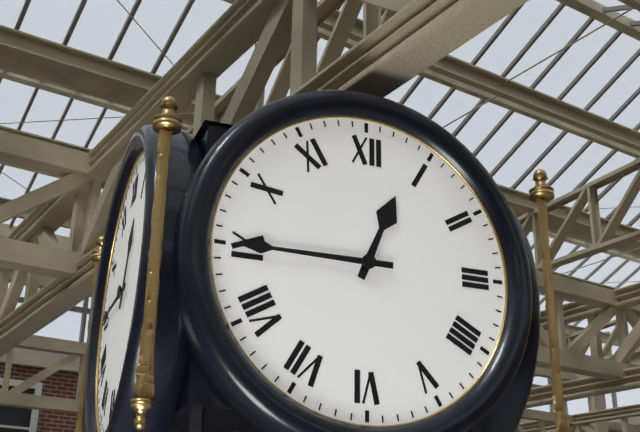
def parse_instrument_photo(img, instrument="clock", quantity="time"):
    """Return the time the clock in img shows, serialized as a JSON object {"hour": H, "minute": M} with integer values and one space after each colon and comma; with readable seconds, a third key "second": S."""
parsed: {"hour": 12, "minute": 45}
